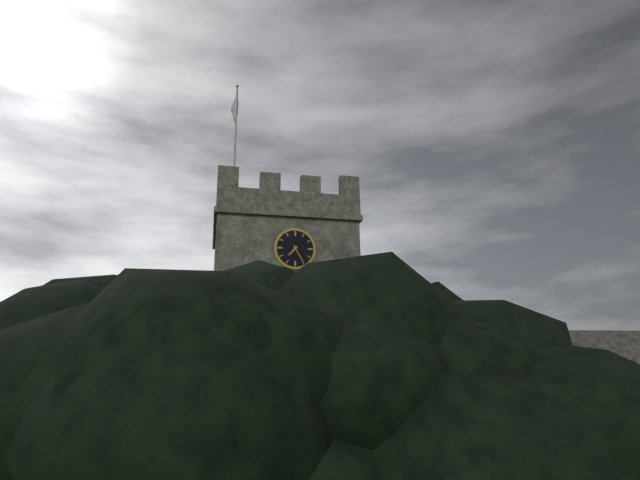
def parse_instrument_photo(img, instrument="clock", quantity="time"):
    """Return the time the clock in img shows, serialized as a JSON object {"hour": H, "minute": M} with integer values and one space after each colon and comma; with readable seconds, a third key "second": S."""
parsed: {"hour": 7, "minute": 25}
